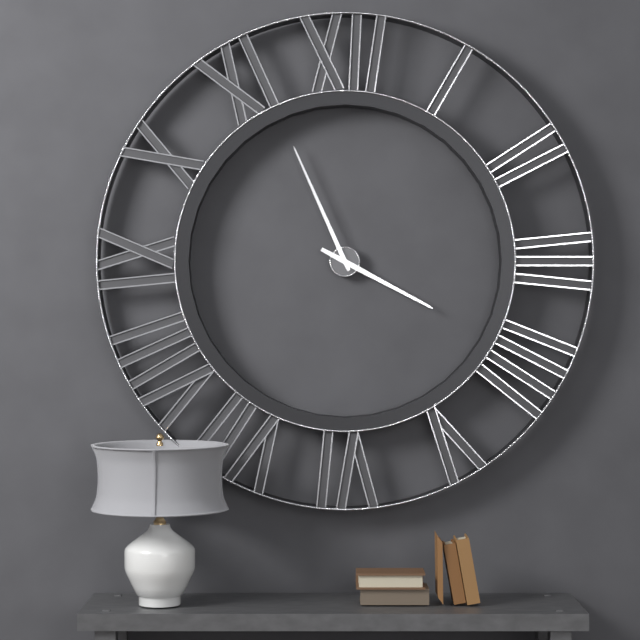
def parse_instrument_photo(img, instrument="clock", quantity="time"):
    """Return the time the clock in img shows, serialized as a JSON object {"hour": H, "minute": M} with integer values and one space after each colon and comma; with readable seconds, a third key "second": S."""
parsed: {"hour": 3, "minute": 56}
